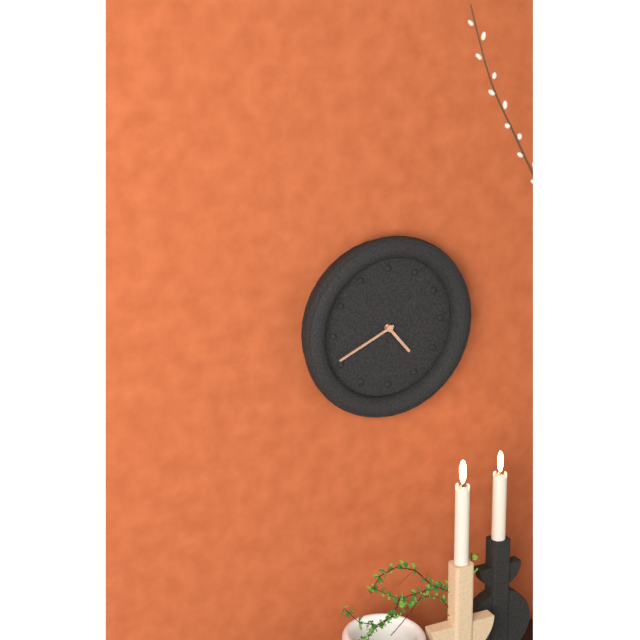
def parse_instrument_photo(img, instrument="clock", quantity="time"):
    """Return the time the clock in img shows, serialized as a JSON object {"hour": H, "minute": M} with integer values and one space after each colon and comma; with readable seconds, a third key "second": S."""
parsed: {"hour": 4, "minute": 41}
